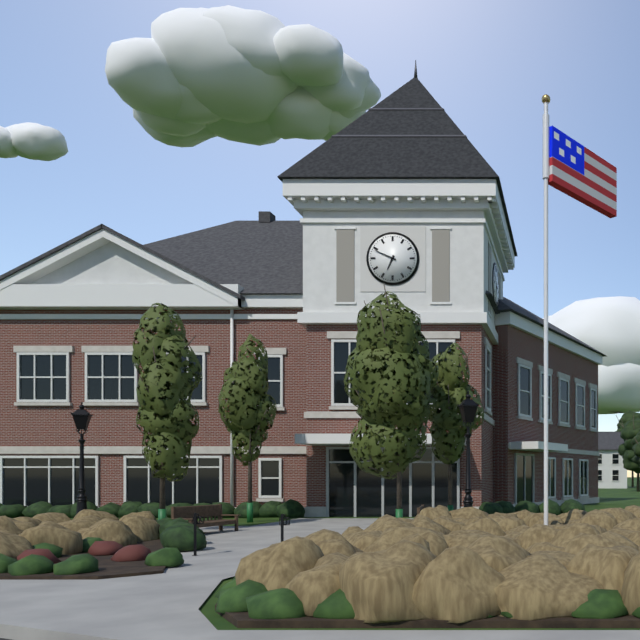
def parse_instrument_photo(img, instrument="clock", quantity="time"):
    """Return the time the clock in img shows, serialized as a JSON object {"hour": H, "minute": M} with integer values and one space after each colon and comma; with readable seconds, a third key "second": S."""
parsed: {"hour": 6, "minute": 49}
